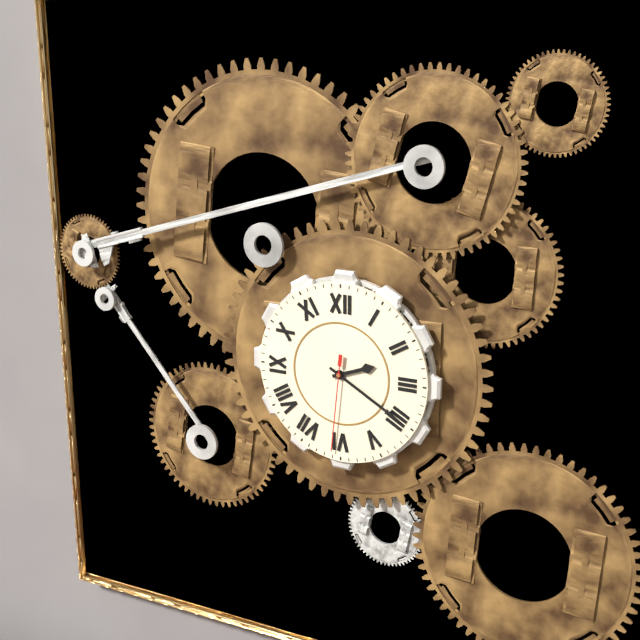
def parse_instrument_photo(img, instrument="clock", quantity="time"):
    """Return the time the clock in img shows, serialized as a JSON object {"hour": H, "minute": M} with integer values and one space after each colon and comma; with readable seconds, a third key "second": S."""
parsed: {"hour": 2, "minute": 20, "second": 31}
